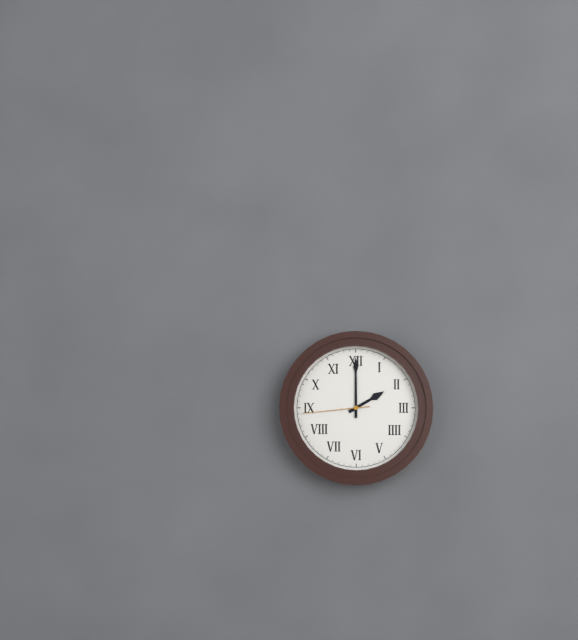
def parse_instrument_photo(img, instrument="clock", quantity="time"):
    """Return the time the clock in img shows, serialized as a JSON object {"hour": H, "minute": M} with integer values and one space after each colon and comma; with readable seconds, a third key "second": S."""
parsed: {"hour": 2, "minute": 0, "second": 44}
